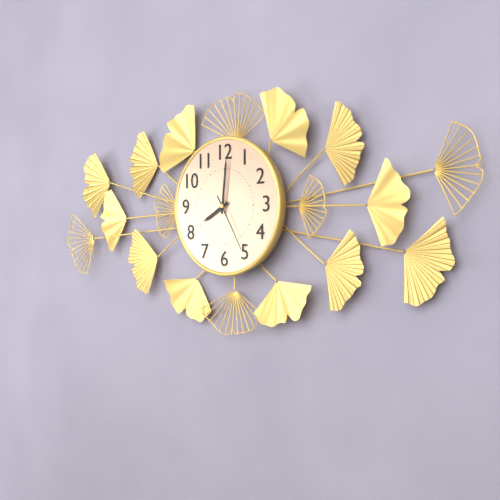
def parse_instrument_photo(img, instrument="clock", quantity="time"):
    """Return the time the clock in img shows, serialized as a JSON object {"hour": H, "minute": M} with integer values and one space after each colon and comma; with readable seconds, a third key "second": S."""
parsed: {"hour": 8, "minute": 1, "second": 25}
